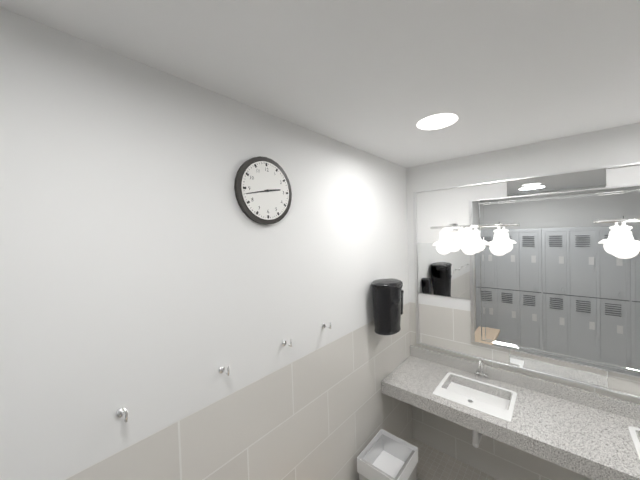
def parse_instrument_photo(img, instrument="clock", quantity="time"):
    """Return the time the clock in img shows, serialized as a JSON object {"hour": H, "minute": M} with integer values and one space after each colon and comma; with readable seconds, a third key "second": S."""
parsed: {"hour": 2, "minute": 43}
